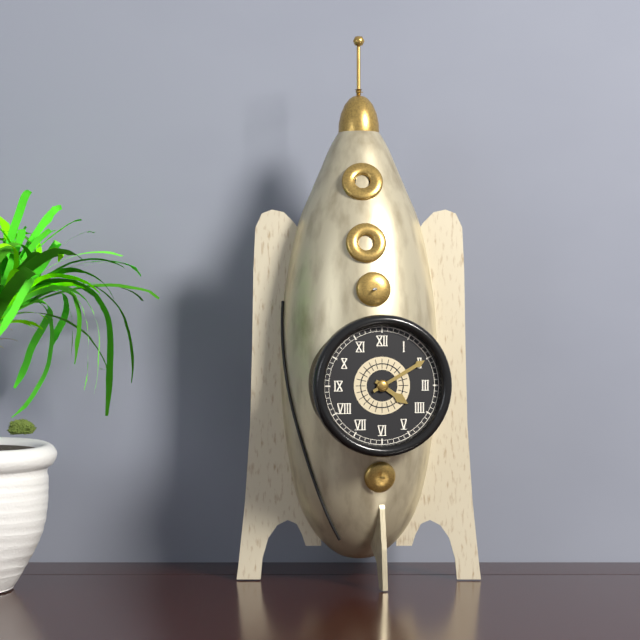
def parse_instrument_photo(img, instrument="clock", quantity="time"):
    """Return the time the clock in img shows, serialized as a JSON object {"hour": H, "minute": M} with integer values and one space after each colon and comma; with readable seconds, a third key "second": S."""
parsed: {"hour": 4, "minute": 10}
